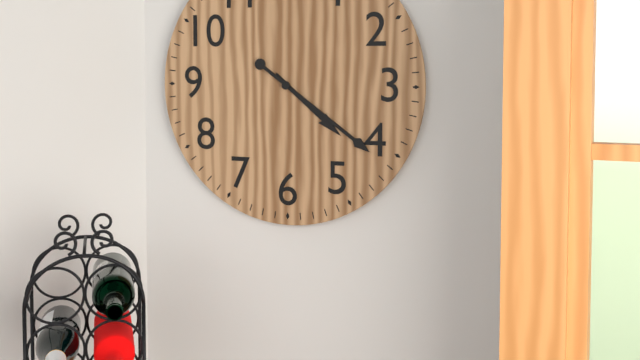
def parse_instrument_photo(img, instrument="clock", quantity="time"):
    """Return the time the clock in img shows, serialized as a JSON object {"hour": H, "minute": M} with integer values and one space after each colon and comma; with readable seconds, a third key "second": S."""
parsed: {"hour": 4, "minute": 21}
